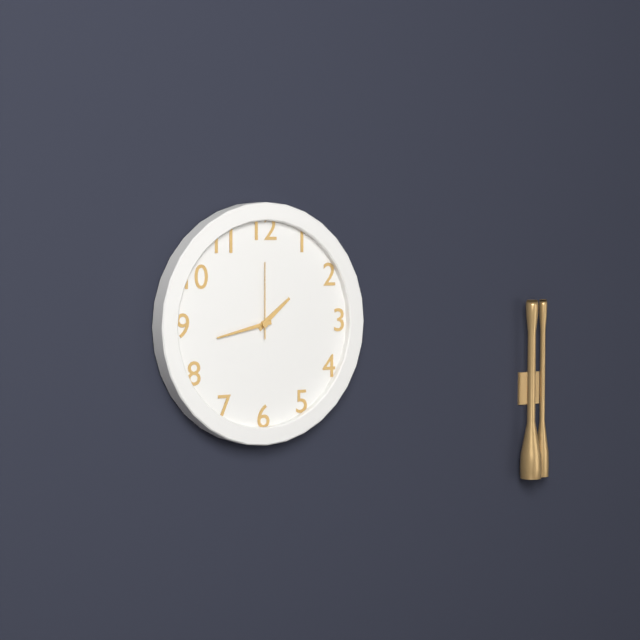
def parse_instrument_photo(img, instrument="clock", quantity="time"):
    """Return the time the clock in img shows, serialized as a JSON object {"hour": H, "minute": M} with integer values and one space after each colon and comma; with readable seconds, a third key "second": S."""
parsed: {"hour": 1, "minute": 43, "second": 0}
